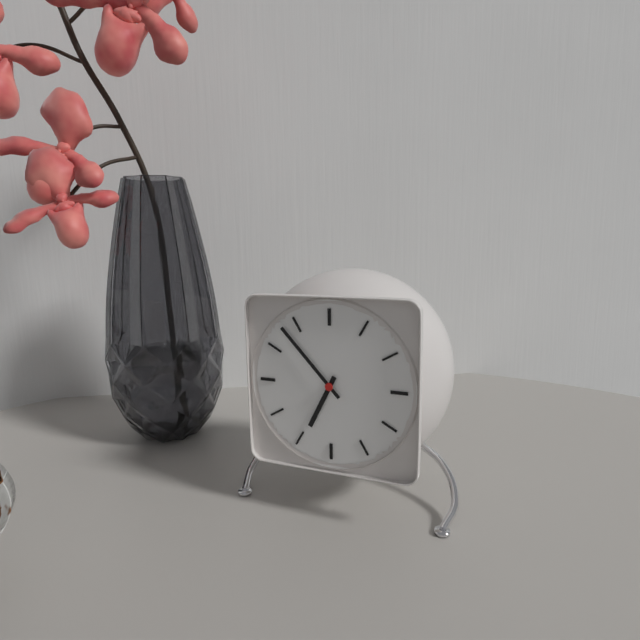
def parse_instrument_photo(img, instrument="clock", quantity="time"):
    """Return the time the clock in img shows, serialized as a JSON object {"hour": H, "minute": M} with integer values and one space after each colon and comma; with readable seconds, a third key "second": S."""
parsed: {"hour": 6, "minute": 53}
